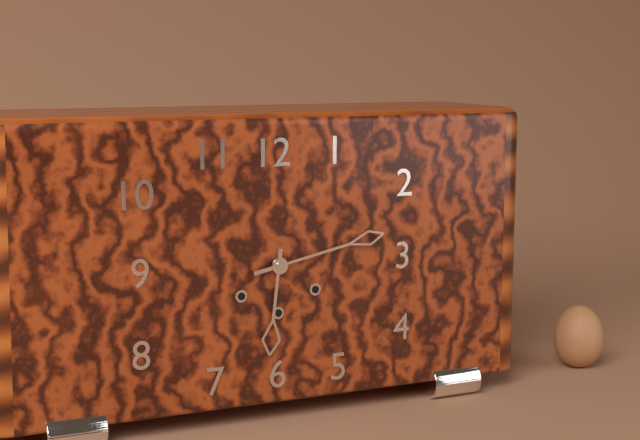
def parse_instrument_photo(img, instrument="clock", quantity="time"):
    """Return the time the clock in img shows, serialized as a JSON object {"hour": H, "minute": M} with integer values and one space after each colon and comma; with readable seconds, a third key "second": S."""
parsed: {"hour": 6, "minute": 13}
